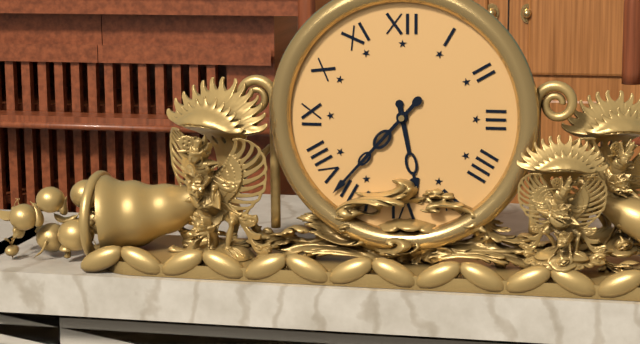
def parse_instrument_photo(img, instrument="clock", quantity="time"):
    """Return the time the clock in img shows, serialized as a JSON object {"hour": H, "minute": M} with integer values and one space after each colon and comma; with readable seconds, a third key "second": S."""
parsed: {"hour": 5, "minute": 37}
